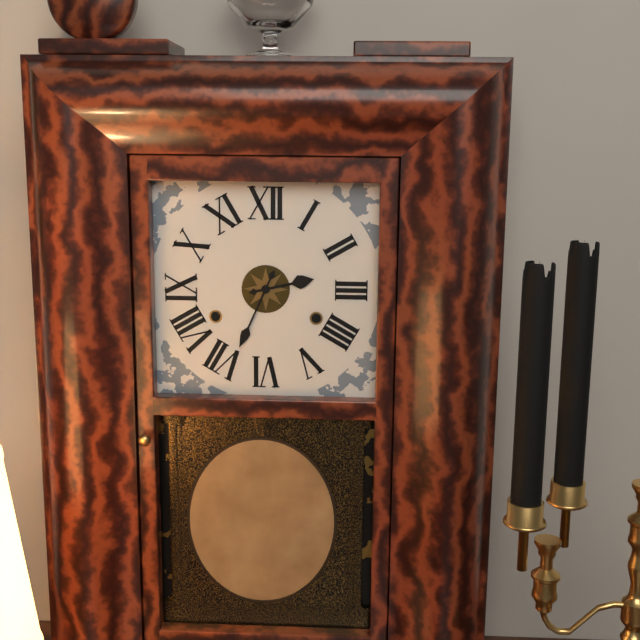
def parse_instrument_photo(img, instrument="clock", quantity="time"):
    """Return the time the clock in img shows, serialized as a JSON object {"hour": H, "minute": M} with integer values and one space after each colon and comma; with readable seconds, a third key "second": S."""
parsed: {"hour": 2, "minute": 34}
